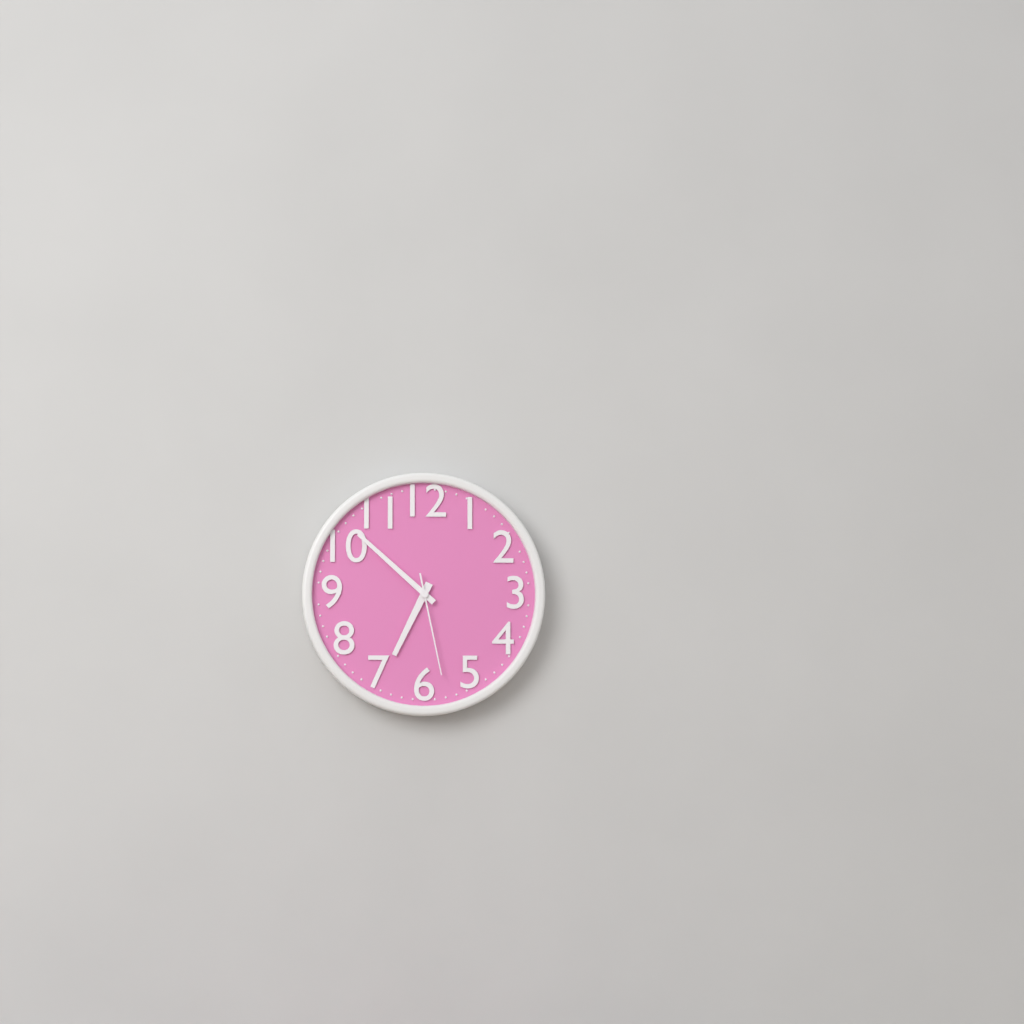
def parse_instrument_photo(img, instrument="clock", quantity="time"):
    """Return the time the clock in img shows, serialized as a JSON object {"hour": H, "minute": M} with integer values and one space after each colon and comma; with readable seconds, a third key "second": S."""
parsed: {"hour": 6, "minute": 52, "second": 28}
